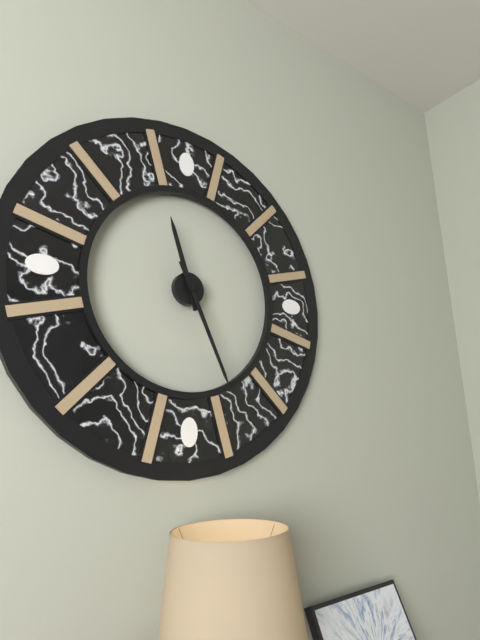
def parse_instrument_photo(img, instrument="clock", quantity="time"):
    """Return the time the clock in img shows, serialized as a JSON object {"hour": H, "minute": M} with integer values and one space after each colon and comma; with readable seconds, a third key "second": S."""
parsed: {"hour": 11, "minute": 26}
